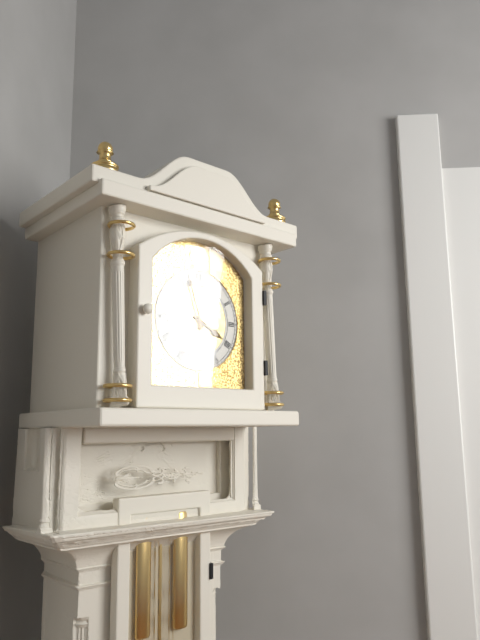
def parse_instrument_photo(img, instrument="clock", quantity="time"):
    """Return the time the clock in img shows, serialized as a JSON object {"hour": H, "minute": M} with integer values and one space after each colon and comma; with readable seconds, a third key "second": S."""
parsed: {"hour": 3, "minute": 57}
